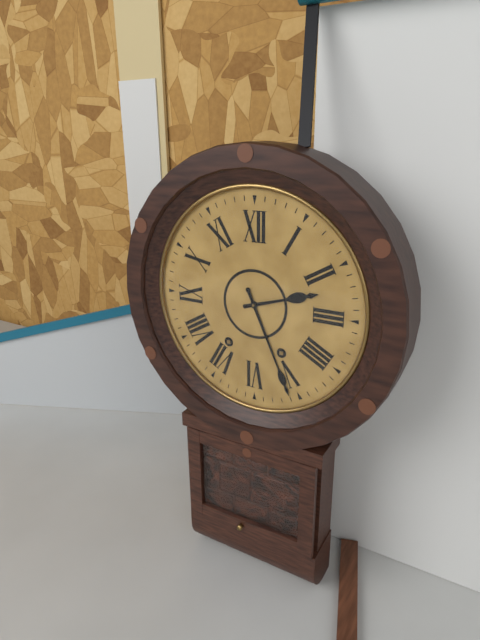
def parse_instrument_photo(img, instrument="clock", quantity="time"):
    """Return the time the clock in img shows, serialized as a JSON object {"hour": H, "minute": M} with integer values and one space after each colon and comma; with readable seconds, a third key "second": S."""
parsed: {"hour": 2, "minute": 26}
